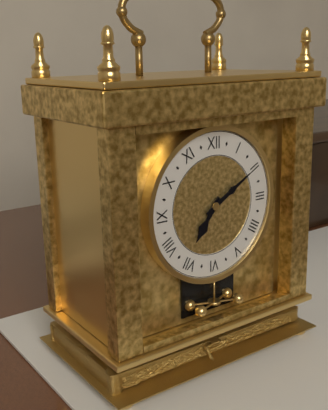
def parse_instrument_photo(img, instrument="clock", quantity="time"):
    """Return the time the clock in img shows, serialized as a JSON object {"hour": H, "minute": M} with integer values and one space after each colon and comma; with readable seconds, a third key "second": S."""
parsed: {"hour": 7, "minute": 10}
